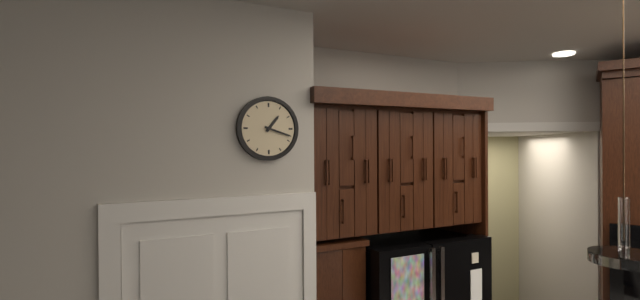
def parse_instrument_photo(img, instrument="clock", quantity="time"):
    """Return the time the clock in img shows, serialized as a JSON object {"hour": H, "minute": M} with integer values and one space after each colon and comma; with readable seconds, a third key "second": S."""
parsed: {"hour": 1, "minute": 18}
